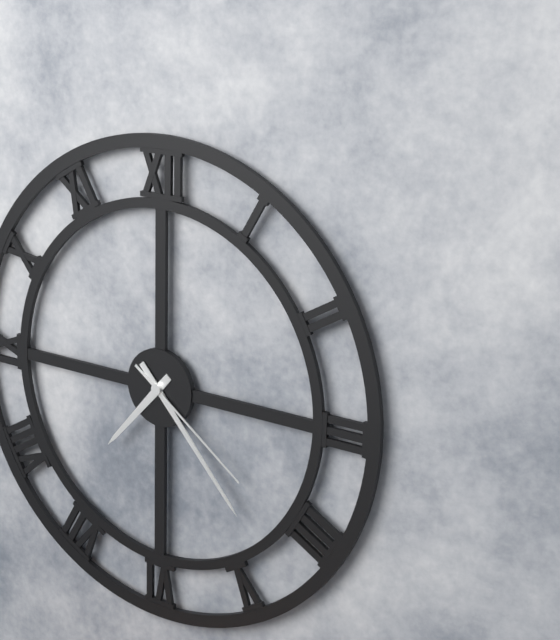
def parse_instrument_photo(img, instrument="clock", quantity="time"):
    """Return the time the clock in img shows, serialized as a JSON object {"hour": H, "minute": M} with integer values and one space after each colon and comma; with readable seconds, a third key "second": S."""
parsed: {"hour": 7, "minute": 23, "second": 21}
